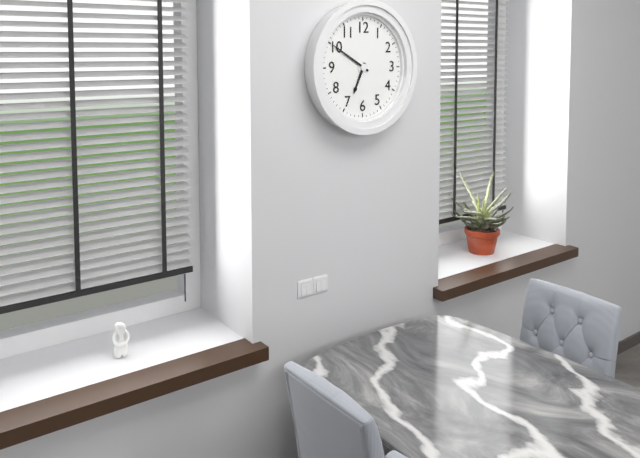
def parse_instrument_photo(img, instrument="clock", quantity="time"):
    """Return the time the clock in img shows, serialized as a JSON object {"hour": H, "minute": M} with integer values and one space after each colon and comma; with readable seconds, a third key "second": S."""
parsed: {"hour": 6, "minute": 50}
